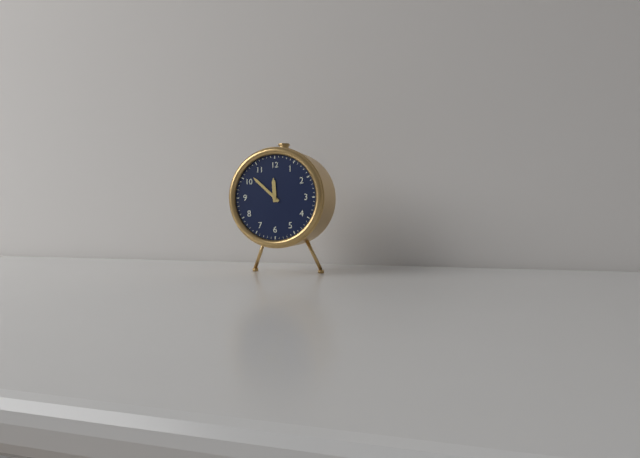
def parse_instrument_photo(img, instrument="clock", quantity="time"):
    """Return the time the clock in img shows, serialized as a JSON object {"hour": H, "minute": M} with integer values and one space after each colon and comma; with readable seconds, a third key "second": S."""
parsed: {"hour": 11, "minute": 52}
